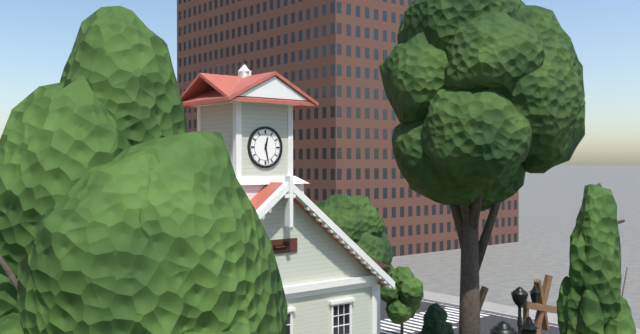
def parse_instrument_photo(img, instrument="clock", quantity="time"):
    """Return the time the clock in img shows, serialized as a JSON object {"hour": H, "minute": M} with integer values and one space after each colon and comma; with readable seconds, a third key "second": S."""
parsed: {"hour": 12, "minute": 28}
